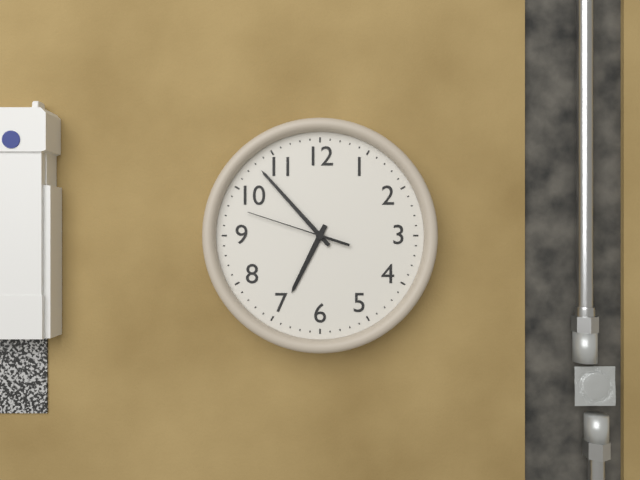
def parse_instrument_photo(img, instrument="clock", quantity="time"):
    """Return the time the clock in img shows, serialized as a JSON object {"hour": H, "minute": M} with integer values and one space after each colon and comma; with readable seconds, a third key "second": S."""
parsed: {"hour": 6, "minute": 53, "second": 48}
